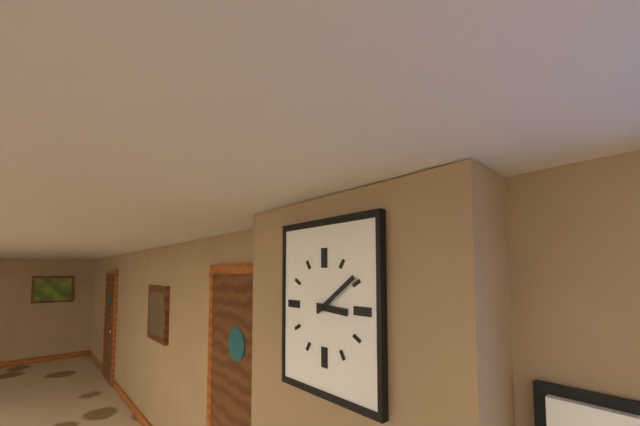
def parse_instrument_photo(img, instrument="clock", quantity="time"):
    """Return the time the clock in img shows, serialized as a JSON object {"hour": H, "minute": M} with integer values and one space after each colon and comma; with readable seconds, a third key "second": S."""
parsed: {"hour": 3, "minute": 9}
